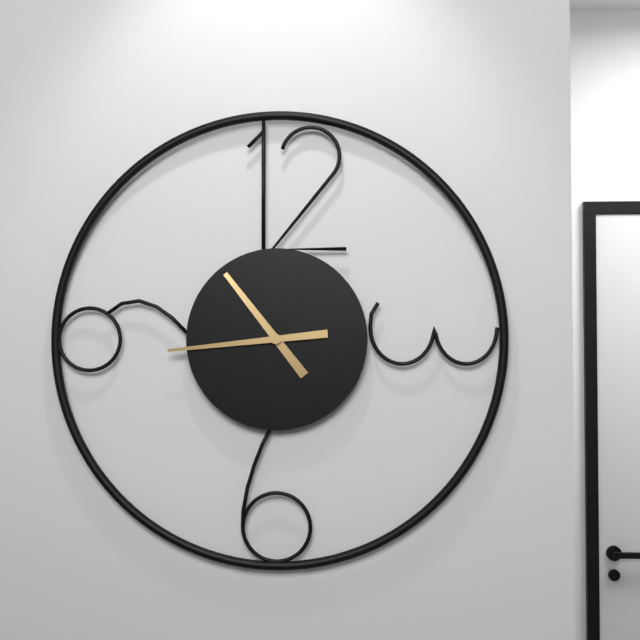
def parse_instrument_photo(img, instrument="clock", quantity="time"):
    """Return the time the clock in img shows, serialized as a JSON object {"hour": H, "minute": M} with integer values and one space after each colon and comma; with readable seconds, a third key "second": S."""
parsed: {"hour": 10, "minute": 44}
